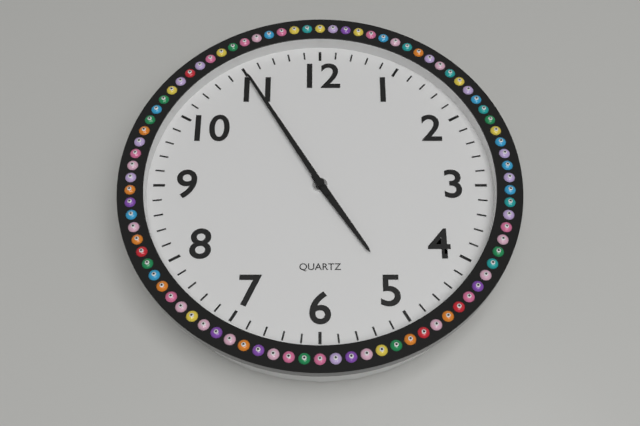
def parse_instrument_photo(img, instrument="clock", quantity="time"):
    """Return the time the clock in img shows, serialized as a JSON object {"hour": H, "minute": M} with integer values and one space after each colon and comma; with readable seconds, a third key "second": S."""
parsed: {"hour": 4, "minute": 55}
